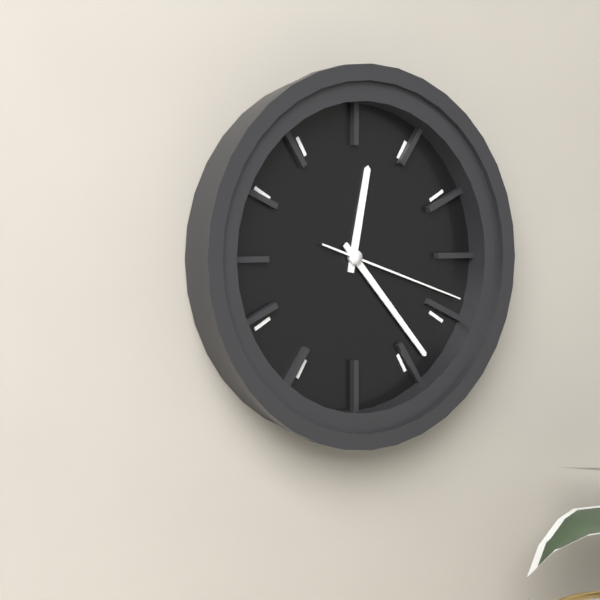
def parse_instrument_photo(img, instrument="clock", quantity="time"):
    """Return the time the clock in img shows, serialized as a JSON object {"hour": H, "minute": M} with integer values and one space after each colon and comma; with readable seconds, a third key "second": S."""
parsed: {"hour": 12, "minute": 23, "second": 18}
